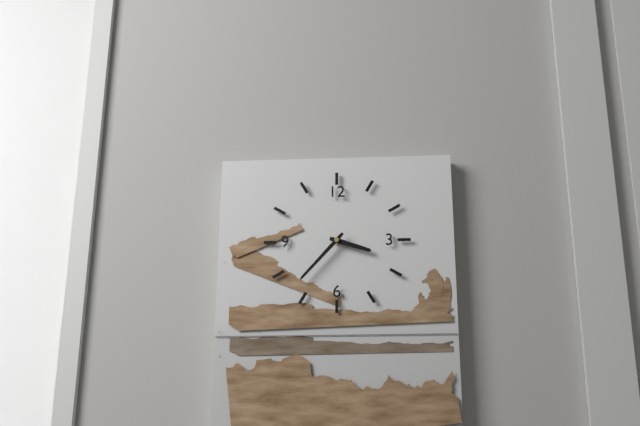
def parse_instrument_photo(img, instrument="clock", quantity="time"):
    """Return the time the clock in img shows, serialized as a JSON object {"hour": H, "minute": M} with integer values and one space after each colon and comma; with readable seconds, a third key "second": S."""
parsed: {"hour": 3, "minute": 37}
